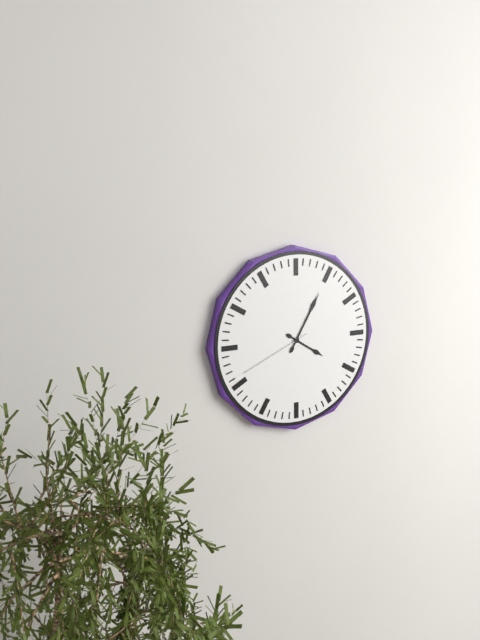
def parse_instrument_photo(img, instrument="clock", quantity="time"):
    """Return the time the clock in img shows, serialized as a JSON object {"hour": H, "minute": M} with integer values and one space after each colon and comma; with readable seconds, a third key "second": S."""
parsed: {"hour": 4, "minute": 5, "second": 41}
